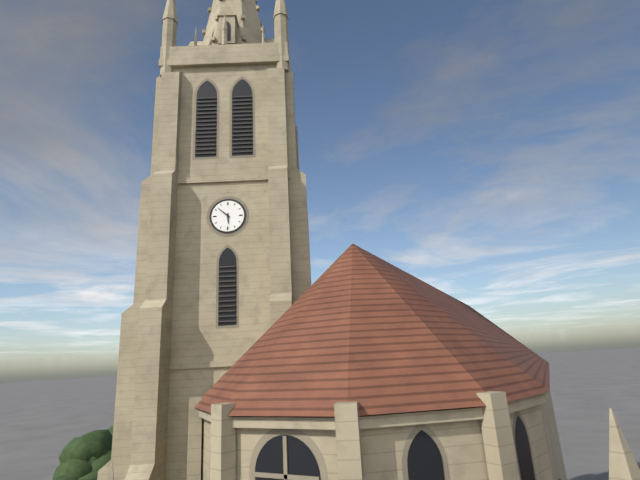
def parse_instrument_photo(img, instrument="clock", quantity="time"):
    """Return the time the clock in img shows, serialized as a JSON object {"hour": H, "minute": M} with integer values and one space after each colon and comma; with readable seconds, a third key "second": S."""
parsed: {"hour": 5, "minute": 52}
